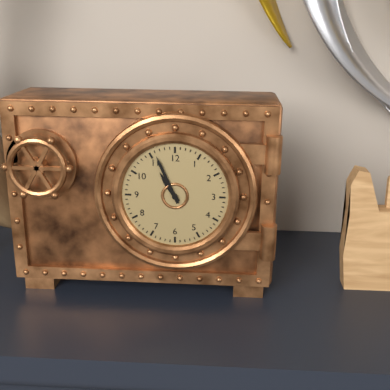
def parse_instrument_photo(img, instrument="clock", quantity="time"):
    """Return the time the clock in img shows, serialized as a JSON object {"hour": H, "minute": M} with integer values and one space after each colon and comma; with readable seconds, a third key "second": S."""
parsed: {"hour": 10, "minute": 56}
